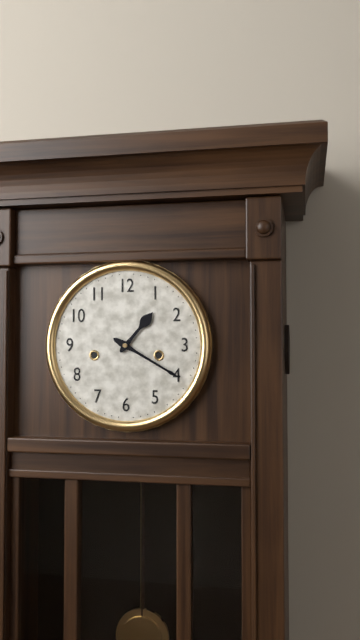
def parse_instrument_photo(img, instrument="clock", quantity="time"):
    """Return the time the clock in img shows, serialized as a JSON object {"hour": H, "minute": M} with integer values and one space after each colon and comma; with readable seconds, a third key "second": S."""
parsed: {"hour": 1, "minute": 20}
